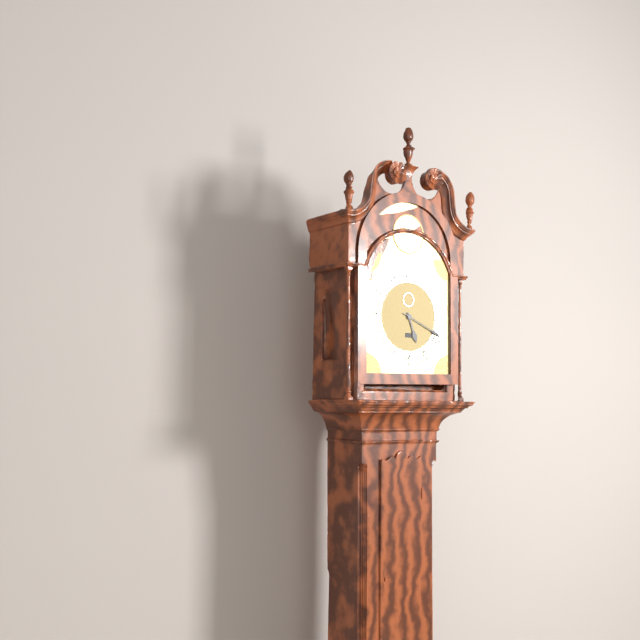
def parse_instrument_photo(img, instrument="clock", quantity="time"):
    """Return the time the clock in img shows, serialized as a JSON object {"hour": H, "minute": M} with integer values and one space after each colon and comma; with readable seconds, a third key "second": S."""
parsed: {"hour": 5, "minute": 19}
